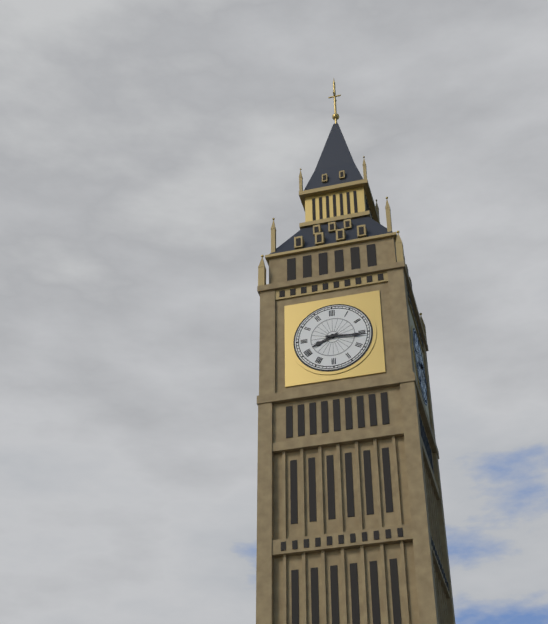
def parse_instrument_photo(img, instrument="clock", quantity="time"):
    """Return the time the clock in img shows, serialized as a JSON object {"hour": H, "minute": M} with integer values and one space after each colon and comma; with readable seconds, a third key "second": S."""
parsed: {"hour": 8, "minute": 16}
